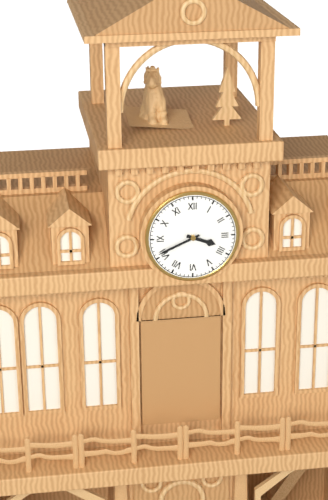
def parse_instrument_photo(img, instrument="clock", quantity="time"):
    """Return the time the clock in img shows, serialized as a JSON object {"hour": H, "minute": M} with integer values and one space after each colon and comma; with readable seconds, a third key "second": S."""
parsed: {"hour": 3, "minute": 41}
